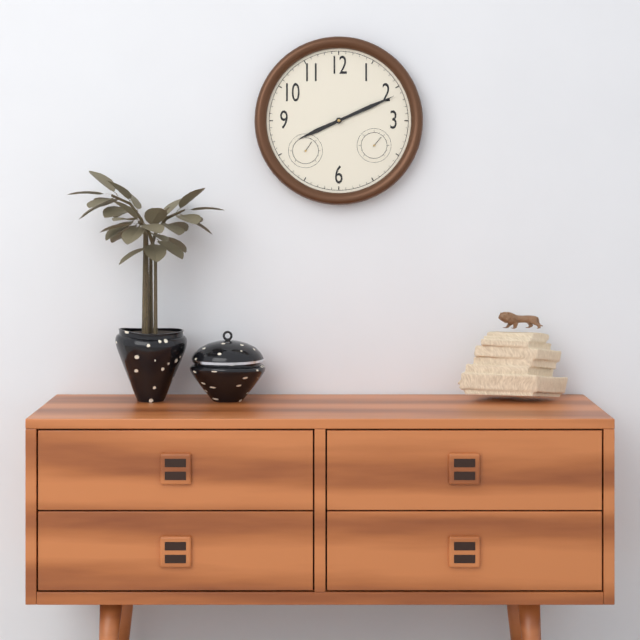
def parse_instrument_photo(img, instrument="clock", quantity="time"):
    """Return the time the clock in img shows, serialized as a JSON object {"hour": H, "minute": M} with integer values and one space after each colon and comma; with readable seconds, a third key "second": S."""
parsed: {"hour": 8, "minute": 11}
